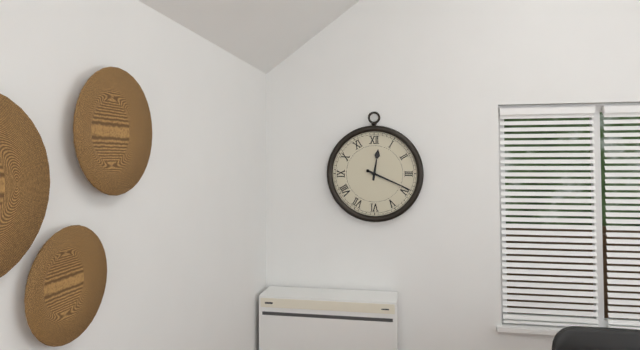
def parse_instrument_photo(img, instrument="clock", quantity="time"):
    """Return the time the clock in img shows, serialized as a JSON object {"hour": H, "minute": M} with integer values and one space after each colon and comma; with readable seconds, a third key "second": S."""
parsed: {"hour": 12, "minute": 19}
